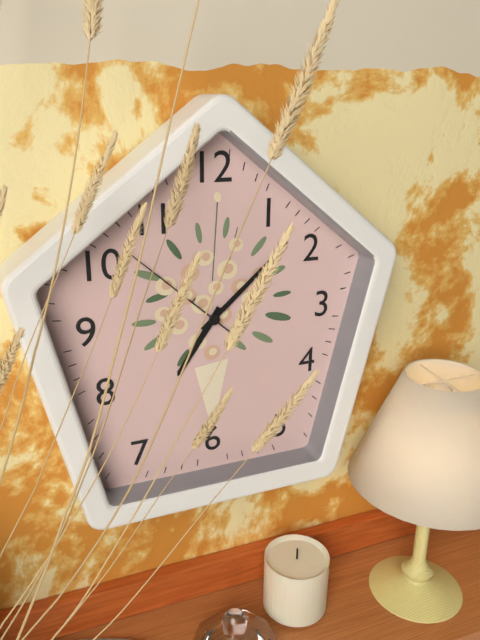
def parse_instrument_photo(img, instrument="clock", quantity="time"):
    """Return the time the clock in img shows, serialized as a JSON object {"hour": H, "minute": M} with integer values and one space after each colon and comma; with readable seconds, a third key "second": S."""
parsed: {"hour": 7, "minute": 8, "second": 52}
